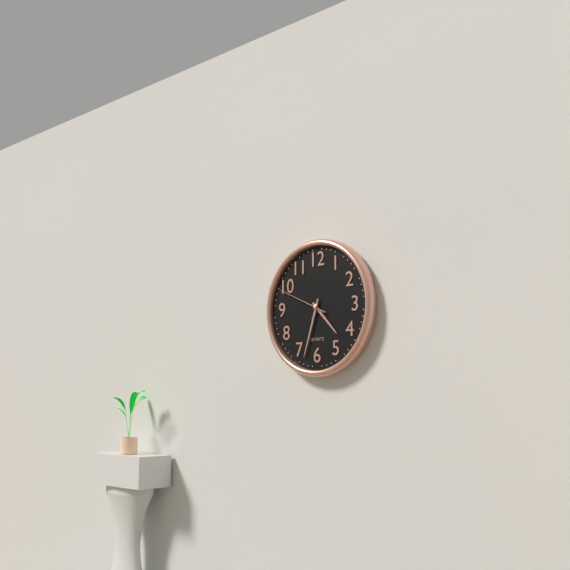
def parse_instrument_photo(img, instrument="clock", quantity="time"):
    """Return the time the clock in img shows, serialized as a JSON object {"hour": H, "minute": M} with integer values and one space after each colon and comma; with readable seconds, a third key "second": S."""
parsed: {"hour": 4, "minute": 33, "second": 49}
